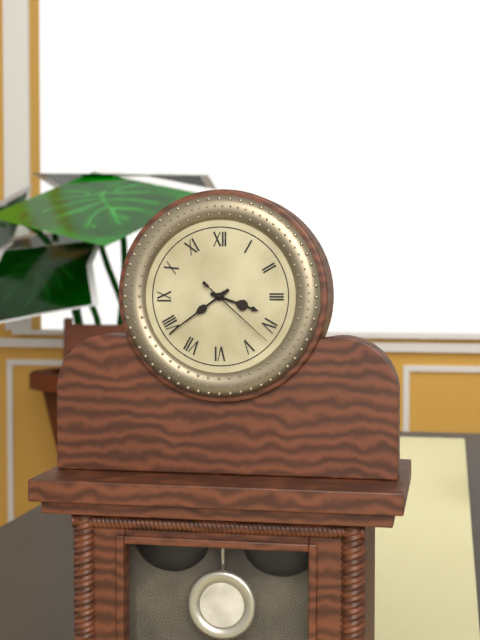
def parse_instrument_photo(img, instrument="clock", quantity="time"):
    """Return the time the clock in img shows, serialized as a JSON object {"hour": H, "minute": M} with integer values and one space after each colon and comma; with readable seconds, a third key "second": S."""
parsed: {"hour": 3, "minute": 39, "second": 22}
